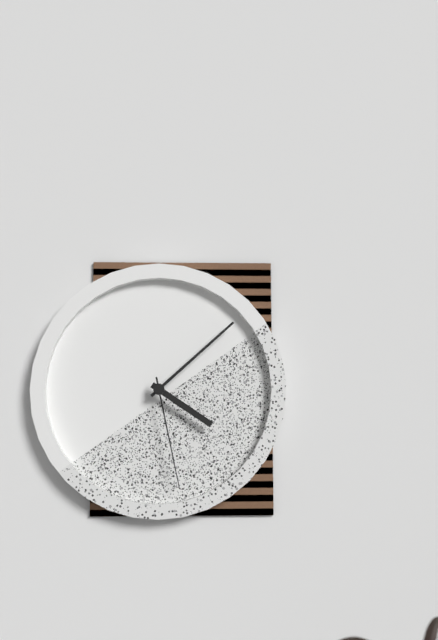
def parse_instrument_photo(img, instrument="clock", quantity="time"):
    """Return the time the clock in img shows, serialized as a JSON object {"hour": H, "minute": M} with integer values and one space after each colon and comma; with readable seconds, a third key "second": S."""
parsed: {"hour": 4, "minute": 8, "second": 28}
